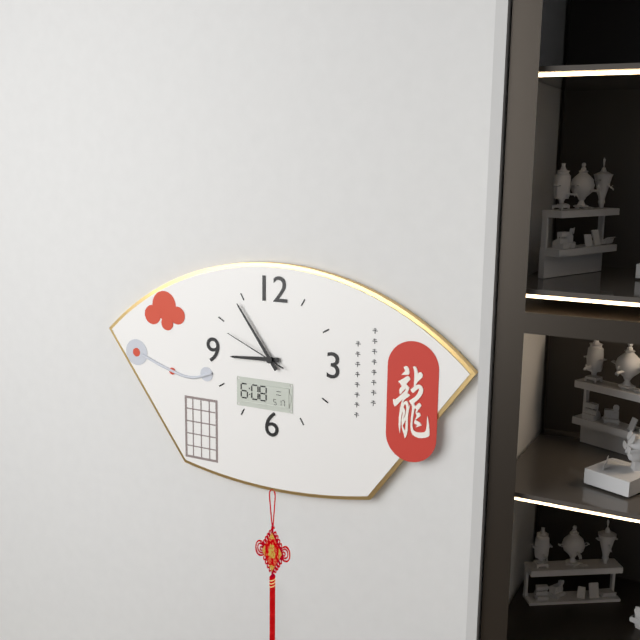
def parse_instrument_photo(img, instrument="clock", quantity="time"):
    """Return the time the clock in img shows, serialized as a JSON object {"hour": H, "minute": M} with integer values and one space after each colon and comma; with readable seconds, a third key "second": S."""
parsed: {"hour": 8, "minute": 54, "second": 49}
